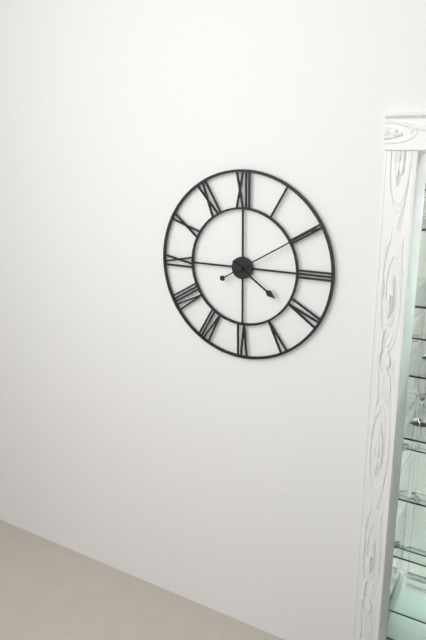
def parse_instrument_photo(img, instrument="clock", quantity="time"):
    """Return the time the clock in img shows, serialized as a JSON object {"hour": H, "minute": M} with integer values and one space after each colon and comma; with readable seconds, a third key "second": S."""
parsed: {"hour": 4, "minute": 10}
